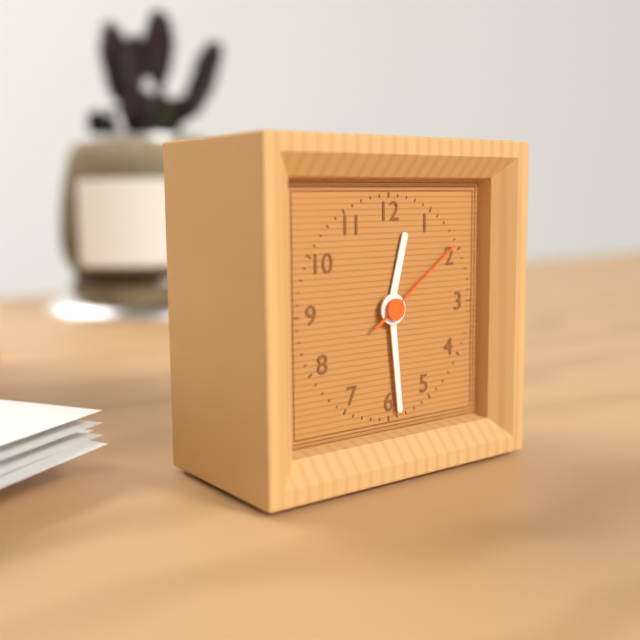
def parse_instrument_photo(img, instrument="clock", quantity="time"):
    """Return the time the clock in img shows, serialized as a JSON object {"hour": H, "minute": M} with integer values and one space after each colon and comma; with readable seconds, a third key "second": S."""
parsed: {"hour": 12, "minute": 29, "second": 9}
